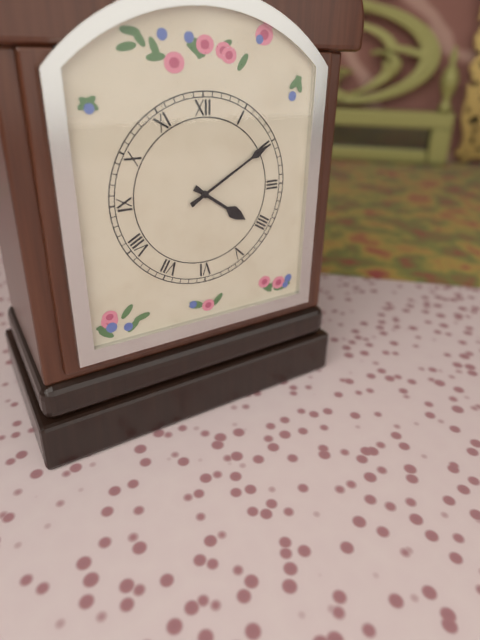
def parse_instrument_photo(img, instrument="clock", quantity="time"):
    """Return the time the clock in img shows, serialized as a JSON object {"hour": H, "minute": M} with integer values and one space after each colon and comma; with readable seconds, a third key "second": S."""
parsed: {"hour": 4, "minute": 10}
